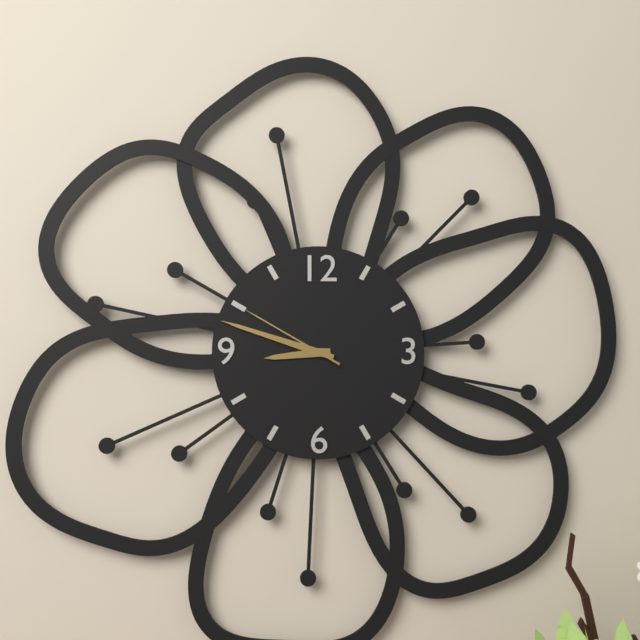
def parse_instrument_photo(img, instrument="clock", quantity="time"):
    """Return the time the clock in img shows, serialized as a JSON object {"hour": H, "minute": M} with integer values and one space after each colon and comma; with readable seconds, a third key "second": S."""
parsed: {"hour": 8, "minute": 48, "second": 50}
